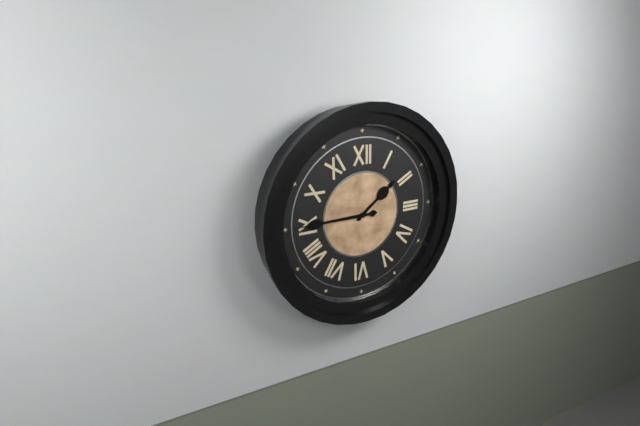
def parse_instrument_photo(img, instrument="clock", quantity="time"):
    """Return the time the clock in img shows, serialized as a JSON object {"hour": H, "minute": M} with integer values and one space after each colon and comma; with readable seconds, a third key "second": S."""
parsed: {"hour": 1, "minute": 45}
